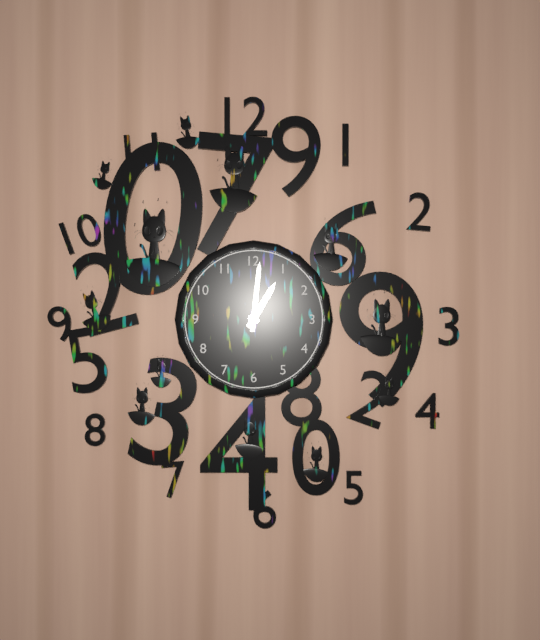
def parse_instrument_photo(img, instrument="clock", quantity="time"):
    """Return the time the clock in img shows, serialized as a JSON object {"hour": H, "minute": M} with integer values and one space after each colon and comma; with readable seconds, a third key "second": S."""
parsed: {"hour": 1, "minute": 1}
